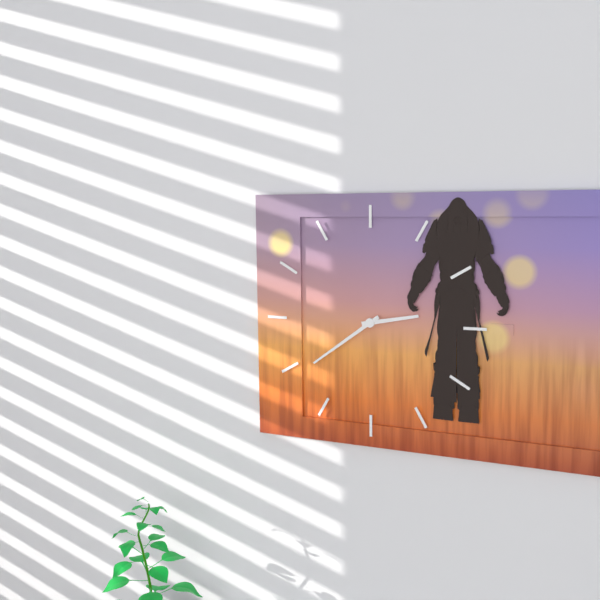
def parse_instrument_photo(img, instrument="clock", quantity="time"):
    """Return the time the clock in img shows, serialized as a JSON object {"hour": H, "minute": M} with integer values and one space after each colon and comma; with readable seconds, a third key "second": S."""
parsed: {"hour": 2, "minute": 39}
